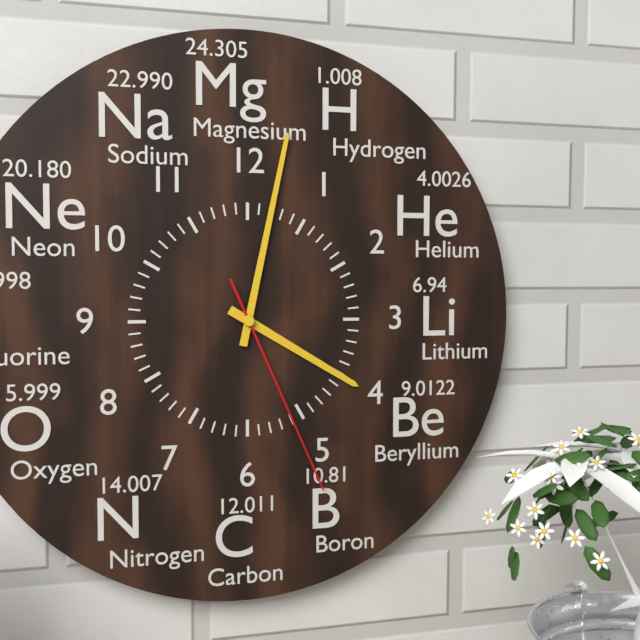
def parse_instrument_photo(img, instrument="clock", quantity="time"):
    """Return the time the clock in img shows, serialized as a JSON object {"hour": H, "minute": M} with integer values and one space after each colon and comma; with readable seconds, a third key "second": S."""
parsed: {"hour": 4, "minute": 2, "second": 26}
